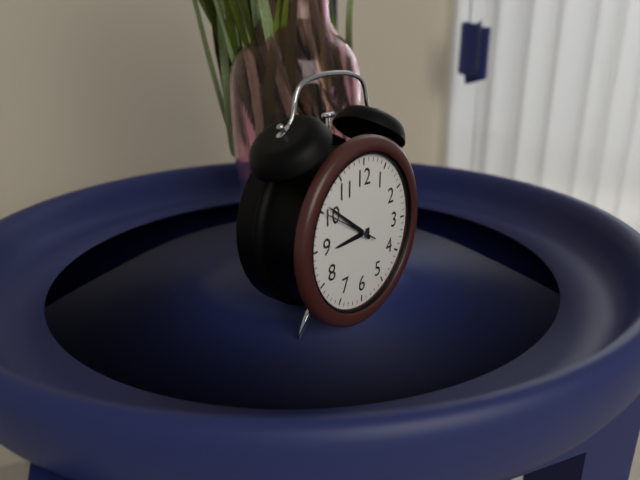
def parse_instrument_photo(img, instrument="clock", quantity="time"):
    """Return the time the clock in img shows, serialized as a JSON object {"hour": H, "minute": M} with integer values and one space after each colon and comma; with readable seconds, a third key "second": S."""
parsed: {"hour": 8, "minute": 51}
